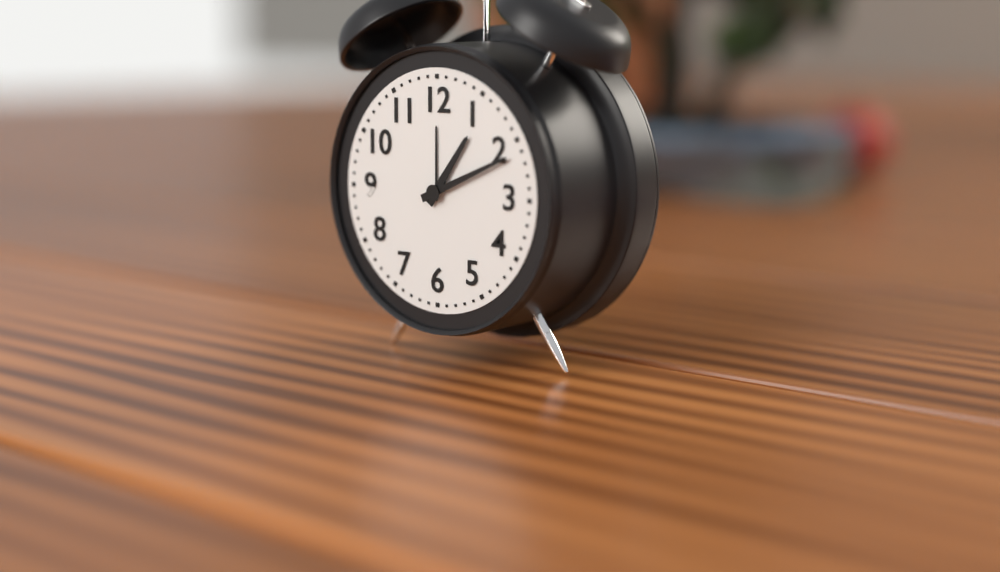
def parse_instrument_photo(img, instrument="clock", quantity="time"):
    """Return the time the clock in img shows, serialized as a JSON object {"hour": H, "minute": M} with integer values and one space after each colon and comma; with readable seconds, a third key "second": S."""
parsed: {"hour": 1, "minute": 11}
